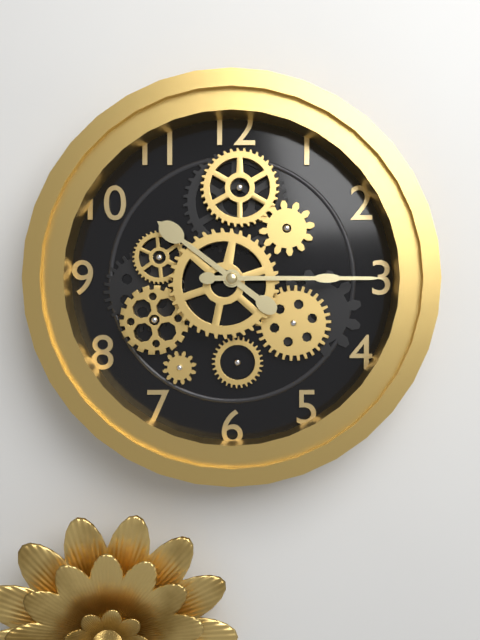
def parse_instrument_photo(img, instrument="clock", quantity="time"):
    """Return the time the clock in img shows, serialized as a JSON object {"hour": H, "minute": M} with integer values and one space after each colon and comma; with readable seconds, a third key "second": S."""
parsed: {"hour": 10, "minute": 15}
